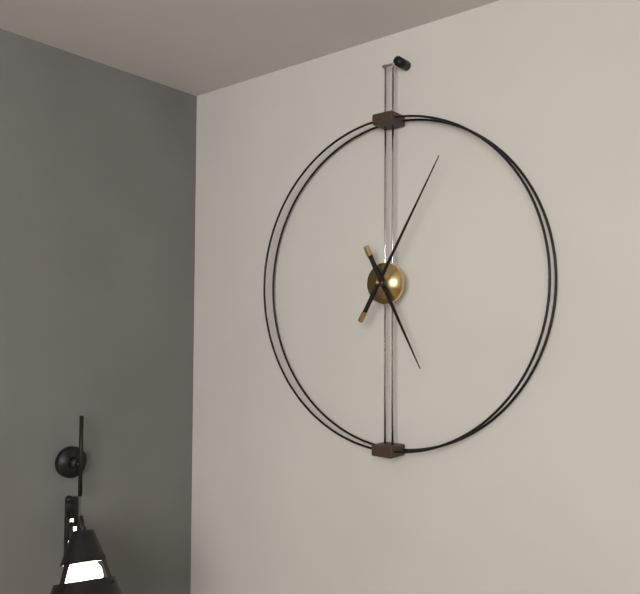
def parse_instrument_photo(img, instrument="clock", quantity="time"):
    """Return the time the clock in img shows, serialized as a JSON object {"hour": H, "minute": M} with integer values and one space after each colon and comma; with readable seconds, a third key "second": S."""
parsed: {"hour": 5, "minute": 5}
